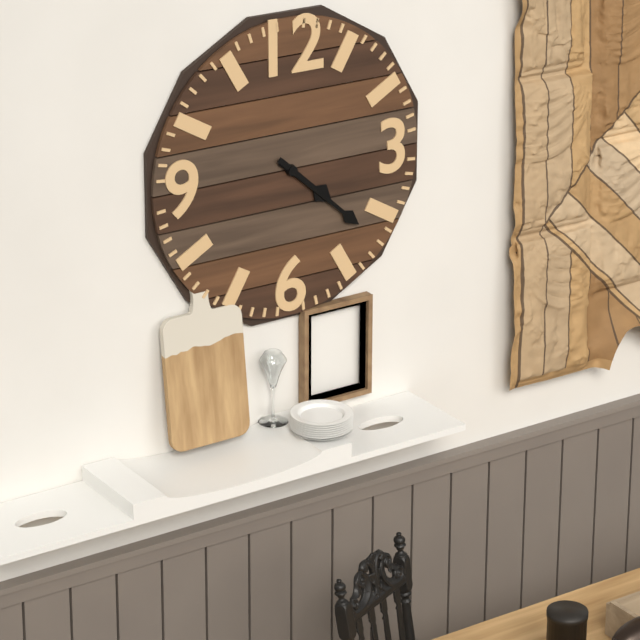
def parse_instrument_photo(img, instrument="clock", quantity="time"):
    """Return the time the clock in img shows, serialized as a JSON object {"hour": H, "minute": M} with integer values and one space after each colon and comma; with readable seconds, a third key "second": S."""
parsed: {"hour": 4, "minute": 22}
